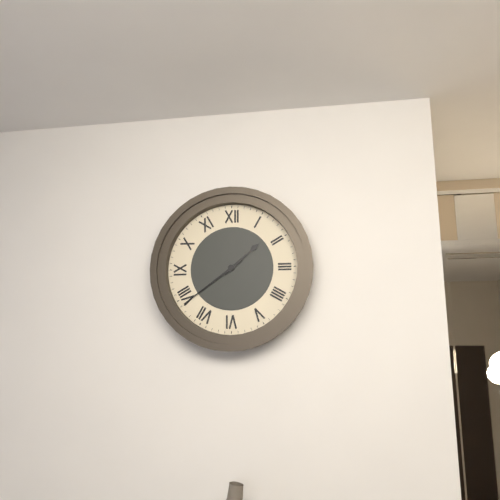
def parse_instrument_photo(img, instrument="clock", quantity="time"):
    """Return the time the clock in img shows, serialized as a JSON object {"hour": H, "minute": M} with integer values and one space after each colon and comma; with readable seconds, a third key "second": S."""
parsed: {"hour": 1, "minute": 39}
